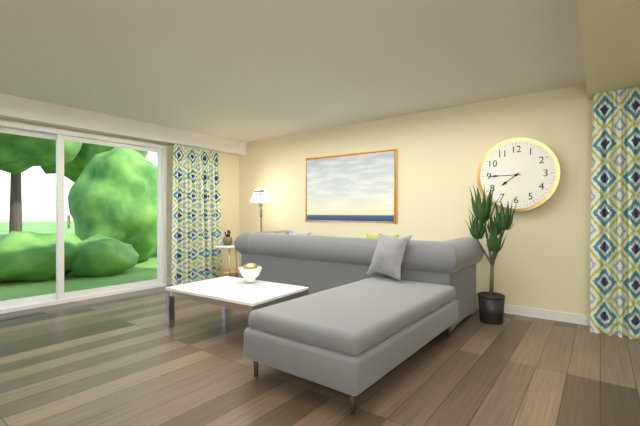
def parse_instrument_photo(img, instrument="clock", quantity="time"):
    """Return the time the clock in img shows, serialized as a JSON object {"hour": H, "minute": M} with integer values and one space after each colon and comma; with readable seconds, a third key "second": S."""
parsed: {"hour": 7, "minute": 45}
